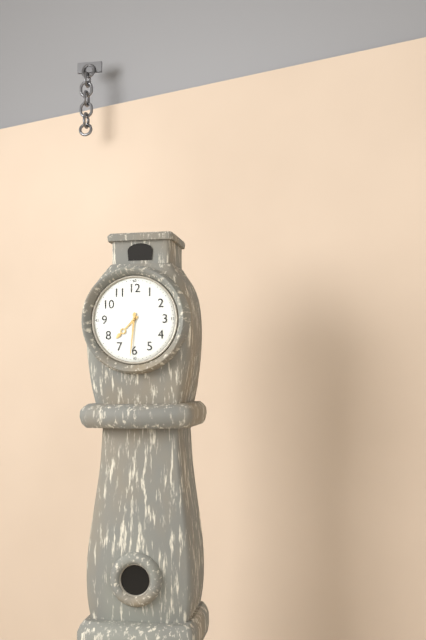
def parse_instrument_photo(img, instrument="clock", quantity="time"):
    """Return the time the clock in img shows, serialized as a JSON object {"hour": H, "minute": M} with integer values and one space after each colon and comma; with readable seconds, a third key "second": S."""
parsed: {"hour": 7, "minute": 31}
